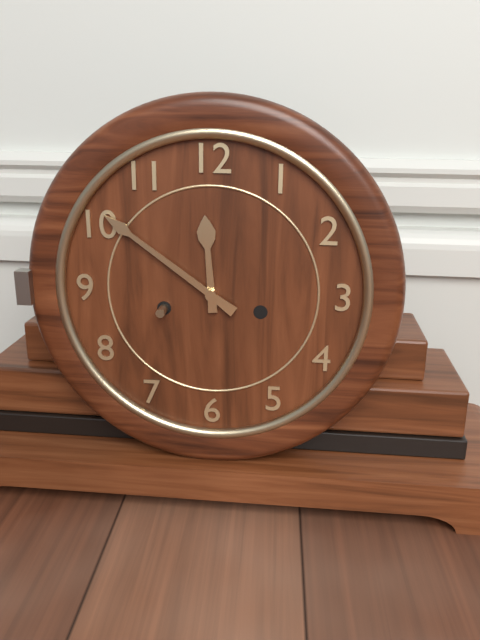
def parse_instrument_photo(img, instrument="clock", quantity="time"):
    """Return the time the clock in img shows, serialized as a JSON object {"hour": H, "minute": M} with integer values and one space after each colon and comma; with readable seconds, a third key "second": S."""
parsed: {"hour": 11, "minute": 51}
